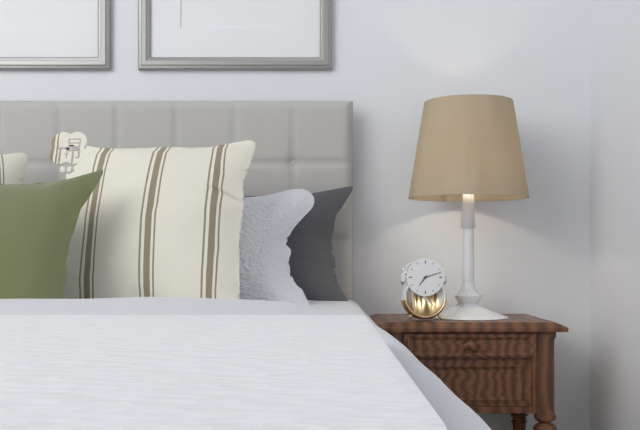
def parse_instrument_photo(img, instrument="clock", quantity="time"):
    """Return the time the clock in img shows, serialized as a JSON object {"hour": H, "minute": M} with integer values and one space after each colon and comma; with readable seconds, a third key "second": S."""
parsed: {"hour": 7, "minute": 12}
